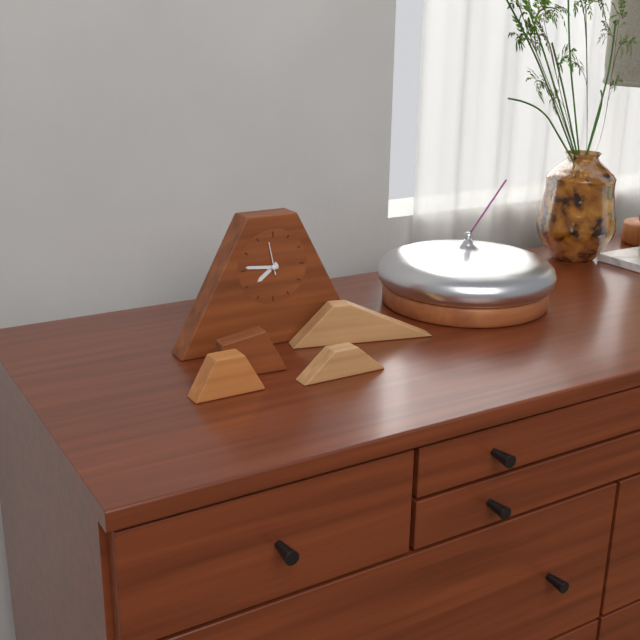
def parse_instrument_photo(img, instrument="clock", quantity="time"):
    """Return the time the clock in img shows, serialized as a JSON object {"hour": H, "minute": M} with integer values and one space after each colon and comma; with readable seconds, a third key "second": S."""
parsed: {"hour": 7, "minute": 46}
